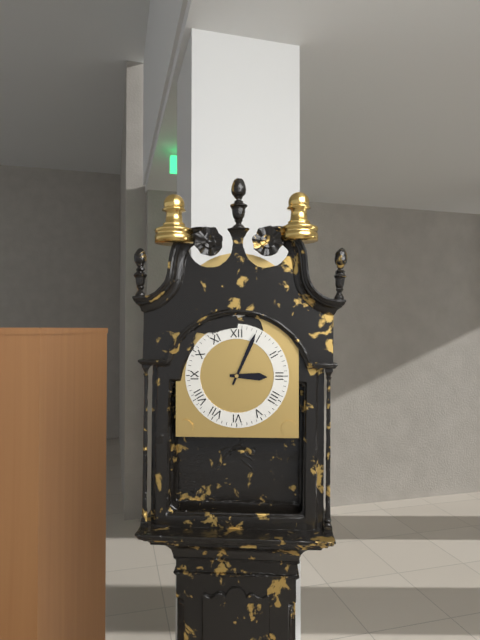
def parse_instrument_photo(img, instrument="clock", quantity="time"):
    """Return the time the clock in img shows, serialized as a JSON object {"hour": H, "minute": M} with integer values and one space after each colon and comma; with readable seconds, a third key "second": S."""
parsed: {"hour": 3, "minute": 4}
